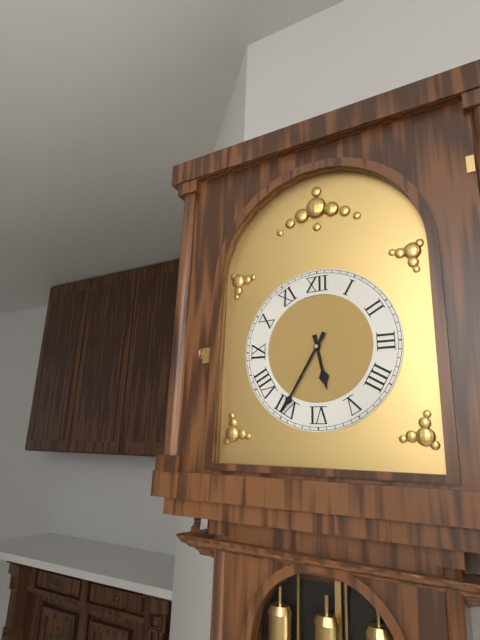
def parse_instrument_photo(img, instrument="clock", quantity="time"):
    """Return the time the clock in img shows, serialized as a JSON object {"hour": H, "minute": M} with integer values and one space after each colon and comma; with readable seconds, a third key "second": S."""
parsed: {"hour": 5, "minute": 35}
